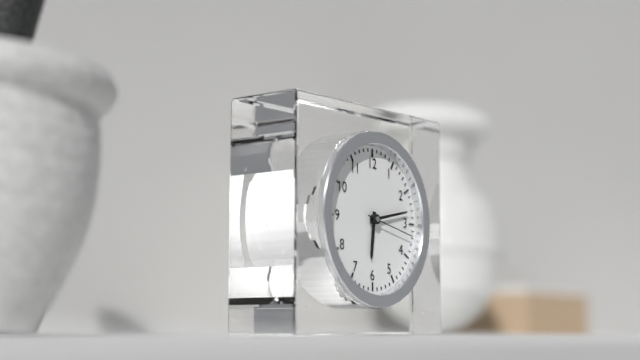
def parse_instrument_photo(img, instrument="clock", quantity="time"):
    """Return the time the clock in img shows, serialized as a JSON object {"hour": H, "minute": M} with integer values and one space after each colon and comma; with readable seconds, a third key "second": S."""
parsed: {"hour": 6, "minute": 13, "second": 17}
